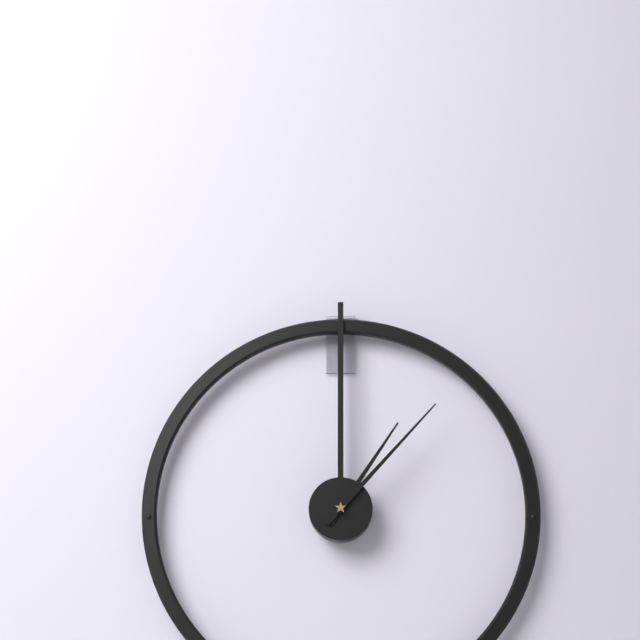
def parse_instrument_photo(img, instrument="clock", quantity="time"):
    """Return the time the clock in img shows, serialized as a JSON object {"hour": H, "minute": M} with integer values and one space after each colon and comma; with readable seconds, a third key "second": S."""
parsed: {"hour": 1, "minute": 7}
